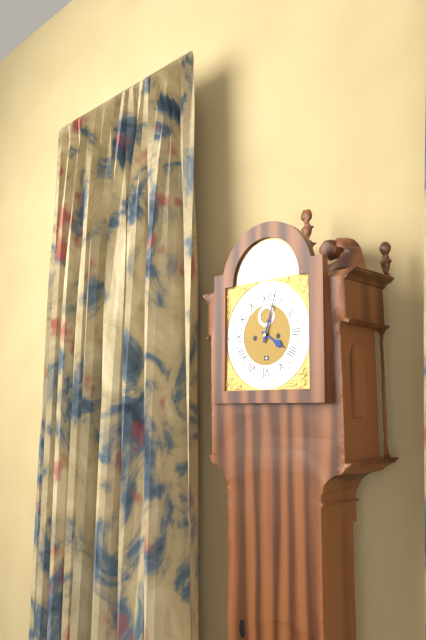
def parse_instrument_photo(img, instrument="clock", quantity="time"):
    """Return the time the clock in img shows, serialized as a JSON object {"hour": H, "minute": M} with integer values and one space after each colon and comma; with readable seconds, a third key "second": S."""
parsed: {"hour": 4, "minute": 3}
